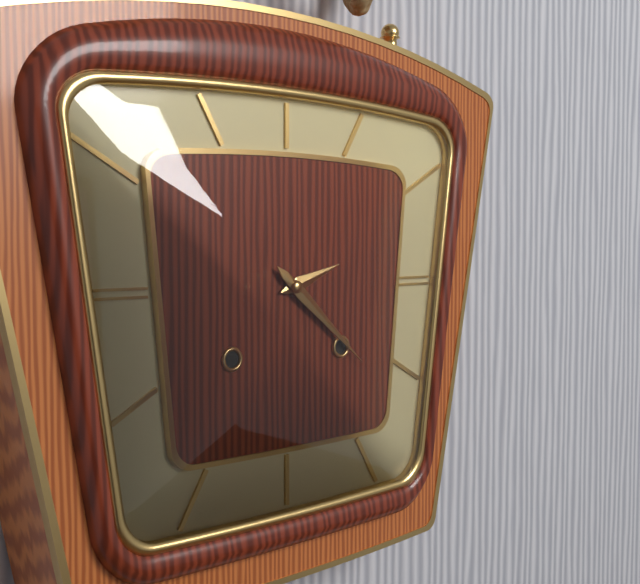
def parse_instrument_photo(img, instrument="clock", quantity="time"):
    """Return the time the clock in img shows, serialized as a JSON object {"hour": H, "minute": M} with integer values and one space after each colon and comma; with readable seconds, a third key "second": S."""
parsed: {"hour": 2, "minute": 22}
